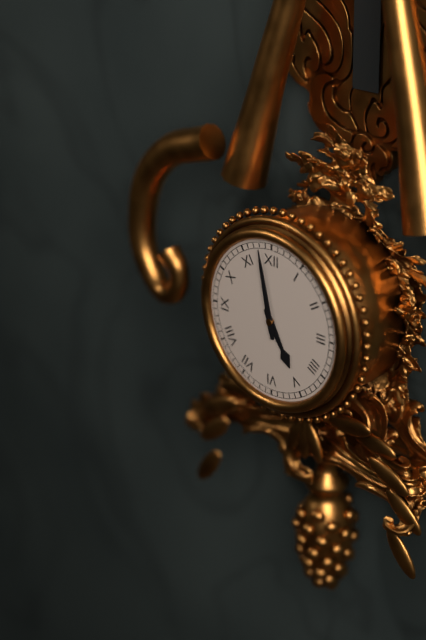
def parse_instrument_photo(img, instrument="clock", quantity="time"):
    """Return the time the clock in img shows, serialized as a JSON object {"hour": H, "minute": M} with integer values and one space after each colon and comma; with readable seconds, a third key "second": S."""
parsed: {"hour": 4, "minute": 58}
